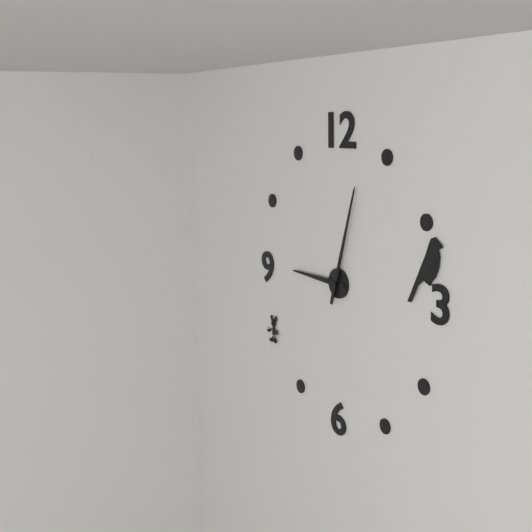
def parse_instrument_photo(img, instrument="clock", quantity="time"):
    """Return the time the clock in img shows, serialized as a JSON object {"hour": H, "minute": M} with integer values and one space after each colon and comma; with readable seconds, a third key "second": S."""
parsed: {"hour": 9, "minute": 3}
